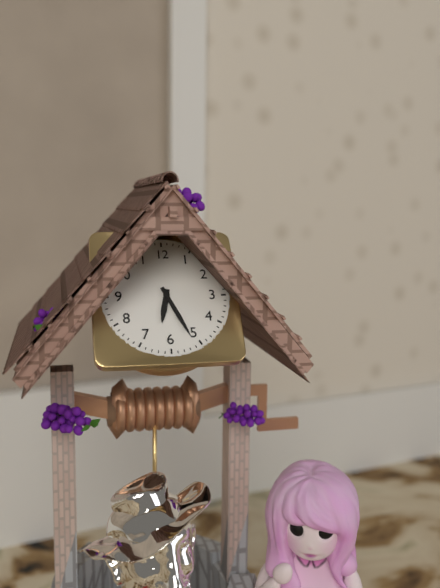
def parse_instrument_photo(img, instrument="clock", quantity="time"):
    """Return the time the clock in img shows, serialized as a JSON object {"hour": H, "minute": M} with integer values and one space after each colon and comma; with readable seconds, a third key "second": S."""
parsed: {"hour": 6, "minute": 26}
